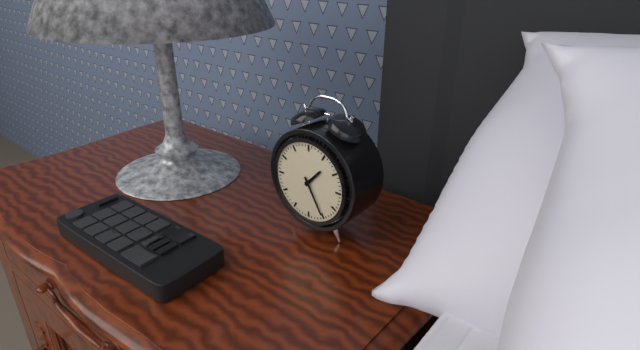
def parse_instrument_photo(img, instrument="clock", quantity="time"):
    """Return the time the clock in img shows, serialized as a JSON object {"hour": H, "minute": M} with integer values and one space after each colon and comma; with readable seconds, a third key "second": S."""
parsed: {"hour": 1, "minute": 25}
